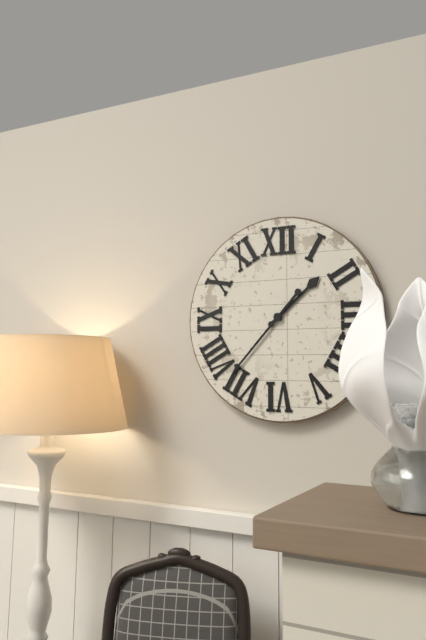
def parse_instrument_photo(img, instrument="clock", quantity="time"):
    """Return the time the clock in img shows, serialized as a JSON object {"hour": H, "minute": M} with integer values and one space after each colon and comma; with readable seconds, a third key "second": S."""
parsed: {"hour": 1, "minute": 37}
